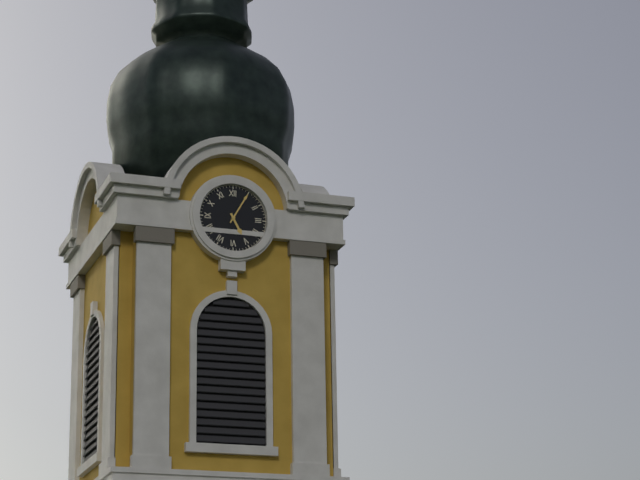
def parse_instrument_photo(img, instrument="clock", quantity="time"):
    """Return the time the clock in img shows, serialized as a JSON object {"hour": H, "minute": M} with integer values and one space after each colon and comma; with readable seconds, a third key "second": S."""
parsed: {"hour": 5, "minute": 5}
